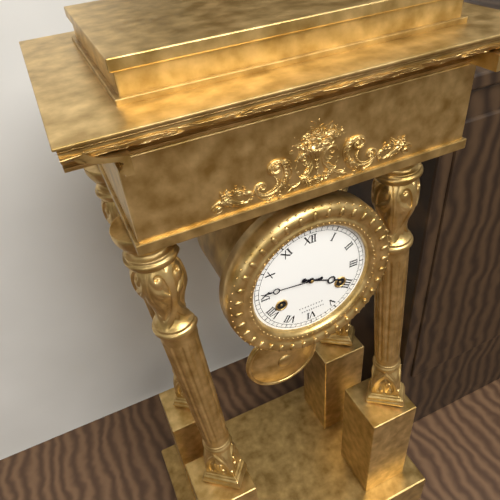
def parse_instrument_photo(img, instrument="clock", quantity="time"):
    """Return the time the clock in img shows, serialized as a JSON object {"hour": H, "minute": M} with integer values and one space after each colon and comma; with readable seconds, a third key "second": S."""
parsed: {"hour": 3, "minute": 46}
